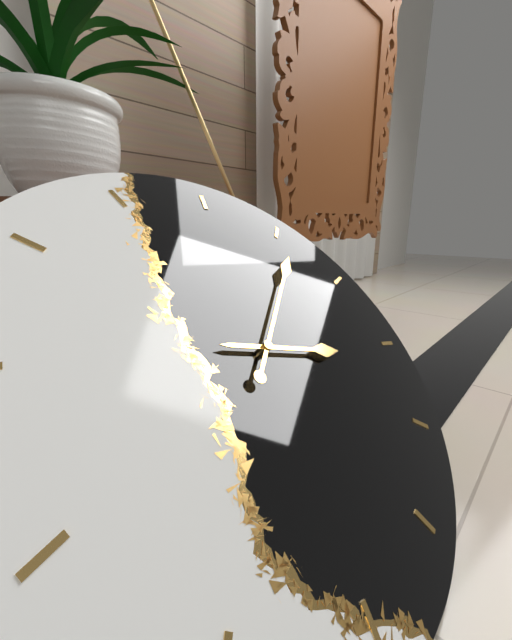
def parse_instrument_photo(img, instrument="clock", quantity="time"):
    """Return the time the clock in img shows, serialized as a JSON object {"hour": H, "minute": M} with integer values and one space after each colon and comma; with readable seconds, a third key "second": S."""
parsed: {"hour": 4, "minute": 11}
